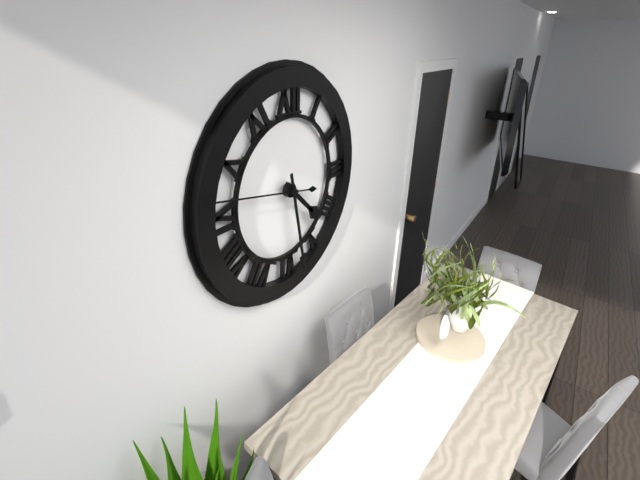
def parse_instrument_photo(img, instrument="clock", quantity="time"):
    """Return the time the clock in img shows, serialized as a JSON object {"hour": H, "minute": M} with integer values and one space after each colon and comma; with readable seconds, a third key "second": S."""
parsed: {"hour": 4, "minute": 28, "second": 47}
